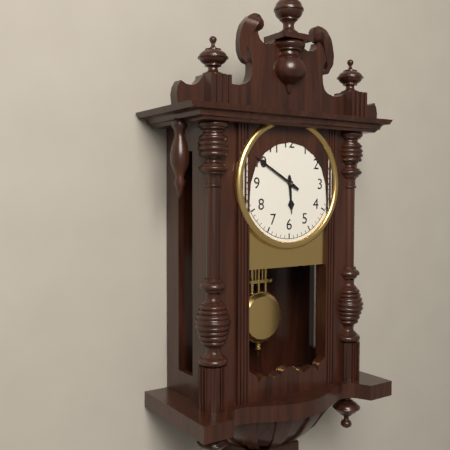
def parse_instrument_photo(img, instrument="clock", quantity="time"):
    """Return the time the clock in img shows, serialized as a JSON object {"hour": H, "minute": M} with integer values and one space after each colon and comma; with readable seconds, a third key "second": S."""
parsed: {"hour": 5, "minute": 50}
